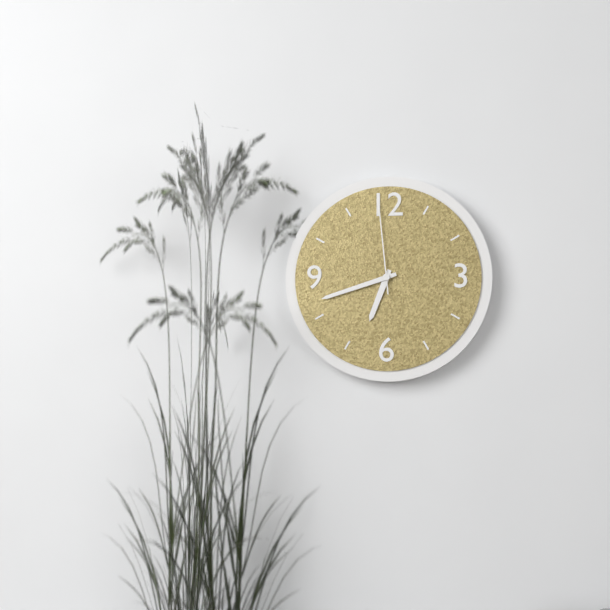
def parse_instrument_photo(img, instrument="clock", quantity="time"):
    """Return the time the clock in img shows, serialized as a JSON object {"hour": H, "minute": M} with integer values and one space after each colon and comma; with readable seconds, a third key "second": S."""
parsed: {"hour": 6, "minute": 42, "second": 59}
